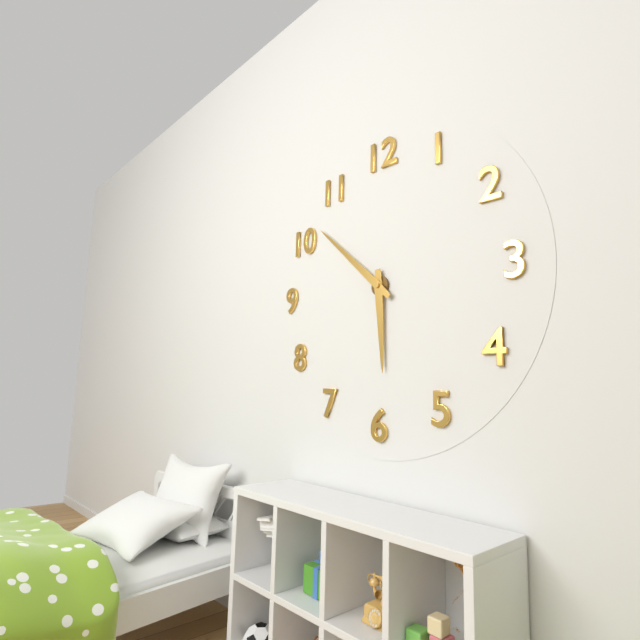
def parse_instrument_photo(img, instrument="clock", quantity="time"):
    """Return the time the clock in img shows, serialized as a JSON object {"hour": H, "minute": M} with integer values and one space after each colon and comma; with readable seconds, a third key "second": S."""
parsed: {"hour": 5, "minute": 52}
